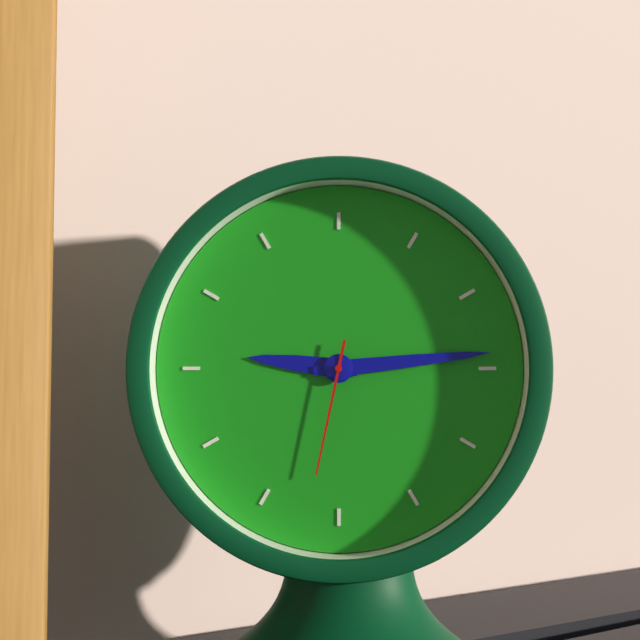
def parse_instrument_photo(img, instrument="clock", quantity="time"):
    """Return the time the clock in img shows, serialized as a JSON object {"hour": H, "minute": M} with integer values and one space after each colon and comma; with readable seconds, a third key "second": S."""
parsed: {"hour": 9, "minute": 14, "second": 32}
